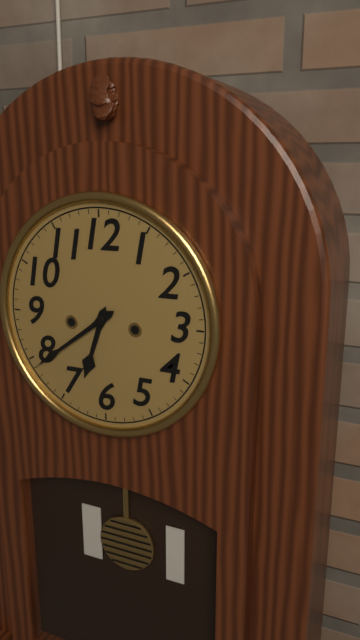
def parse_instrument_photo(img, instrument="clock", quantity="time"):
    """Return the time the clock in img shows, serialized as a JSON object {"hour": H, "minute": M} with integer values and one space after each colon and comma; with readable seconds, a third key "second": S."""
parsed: {"hour": 6, "minute": 39}
